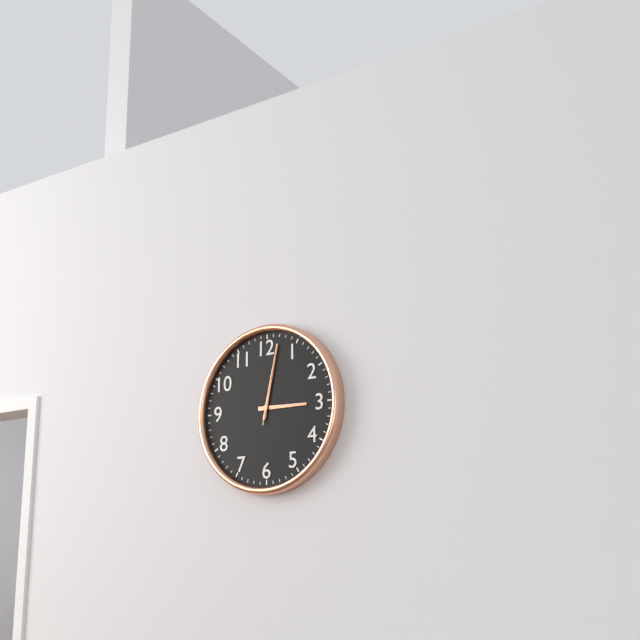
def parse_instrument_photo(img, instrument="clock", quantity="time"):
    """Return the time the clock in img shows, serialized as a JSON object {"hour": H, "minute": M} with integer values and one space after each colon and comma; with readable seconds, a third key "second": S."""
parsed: {"hour": 3, "minute": 2, "second": 2}
